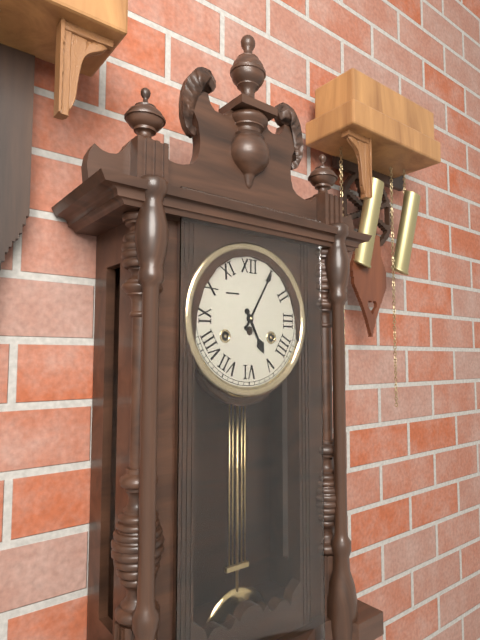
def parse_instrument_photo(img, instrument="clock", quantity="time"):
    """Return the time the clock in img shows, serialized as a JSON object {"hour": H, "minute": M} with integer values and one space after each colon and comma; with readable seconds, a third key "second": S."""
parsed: {"hour": 5, "minute": 5}
